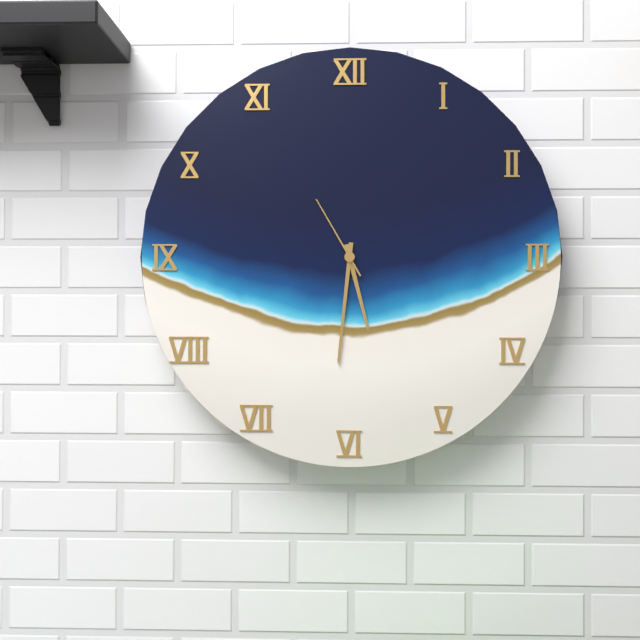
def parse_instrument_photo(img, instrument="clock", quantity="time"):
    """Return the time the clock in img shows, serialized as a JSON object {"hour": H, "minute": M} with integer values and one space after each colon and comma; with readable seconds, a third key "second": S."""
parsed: {"hour": 5, "minute": 31, "second": 55}
